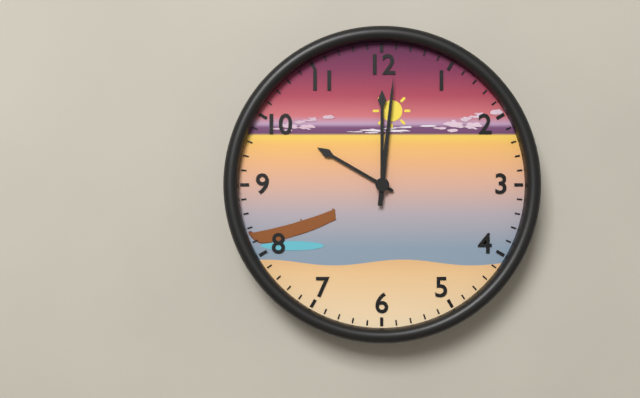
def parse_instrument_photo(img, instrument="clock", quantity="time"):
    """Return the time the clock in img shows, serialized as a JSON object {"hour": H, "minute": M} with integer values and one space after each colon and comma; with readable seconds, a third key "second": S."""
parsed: {"hour": 10, "minute": 0, "second": 1}
